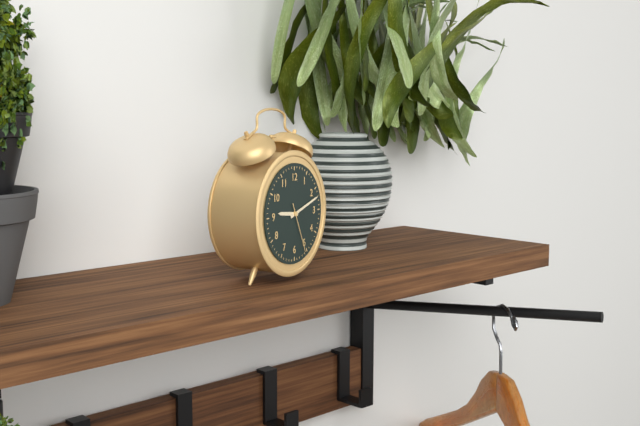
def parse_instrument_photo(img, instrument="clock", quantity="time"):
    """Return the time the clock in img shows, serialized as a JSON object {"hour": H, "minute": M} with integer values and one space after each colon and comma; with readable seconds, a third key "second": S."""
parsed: {"hour": 9, "minute": 12}
